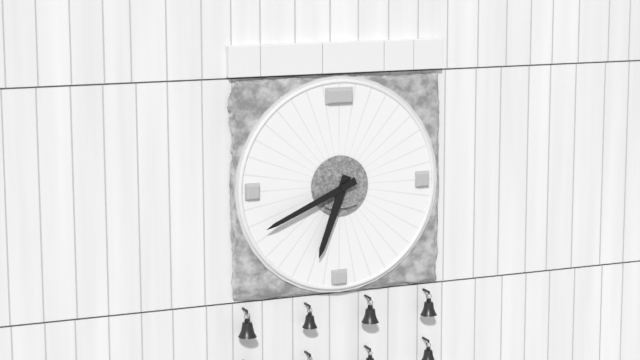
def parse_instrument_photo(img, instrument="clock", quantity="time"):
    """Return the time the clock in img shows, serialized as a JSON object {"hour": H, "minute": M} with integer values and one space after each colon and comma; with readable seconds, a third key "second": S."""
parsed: {"hour": 6, "minute": 41}
